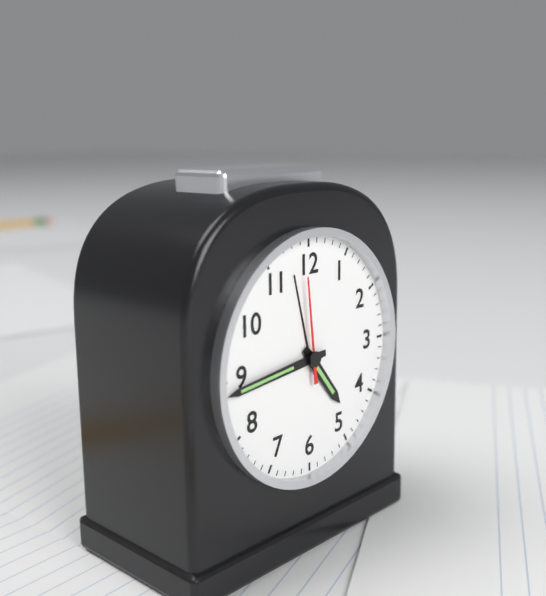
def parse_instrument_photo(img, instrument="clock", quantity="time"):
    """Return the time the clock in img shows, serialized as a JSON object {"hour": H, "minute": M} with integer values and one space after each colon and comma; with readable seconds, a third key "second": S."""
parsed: {"hour": 4, "minute": 44, "second": 59}
